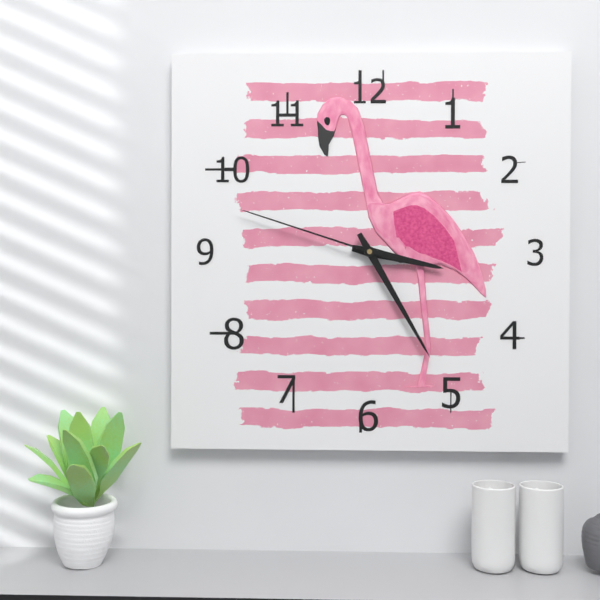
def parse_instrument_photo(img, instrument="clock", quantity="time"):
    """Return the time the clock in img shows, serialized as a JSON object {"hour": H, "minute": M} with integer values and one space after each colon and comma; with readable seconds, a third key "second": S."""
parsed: {"hour": 3, "minute": 25, "second": 48}
